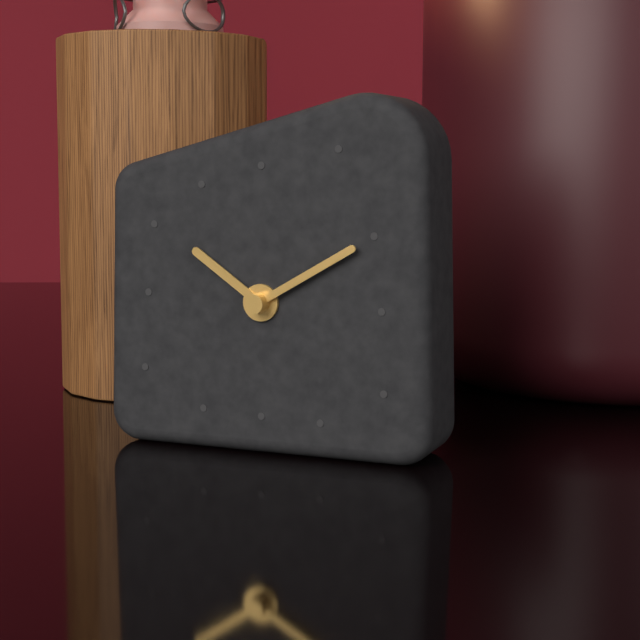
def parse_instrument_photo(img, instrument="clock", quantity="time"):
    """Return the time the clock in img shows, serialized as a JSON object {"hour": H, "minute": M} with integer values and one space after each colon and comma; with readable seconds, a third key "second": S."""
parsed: {"hour": 10, "minute": 10}
